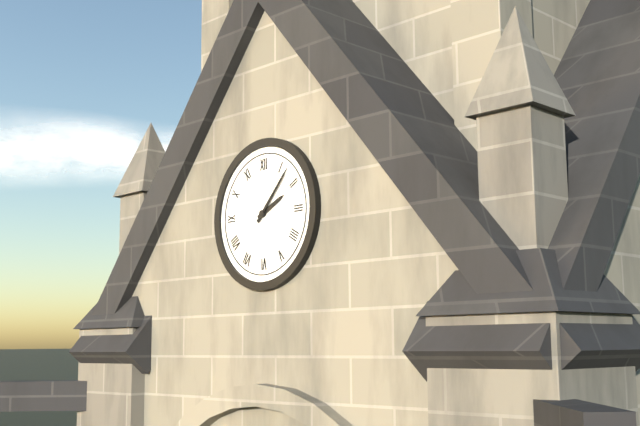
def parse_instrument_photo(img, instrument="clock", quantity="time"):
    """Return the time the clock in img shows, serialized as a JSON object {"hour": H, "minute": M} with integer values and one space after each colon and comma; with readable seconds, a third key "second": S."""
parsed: {"hour": 2, "minute": 7}
